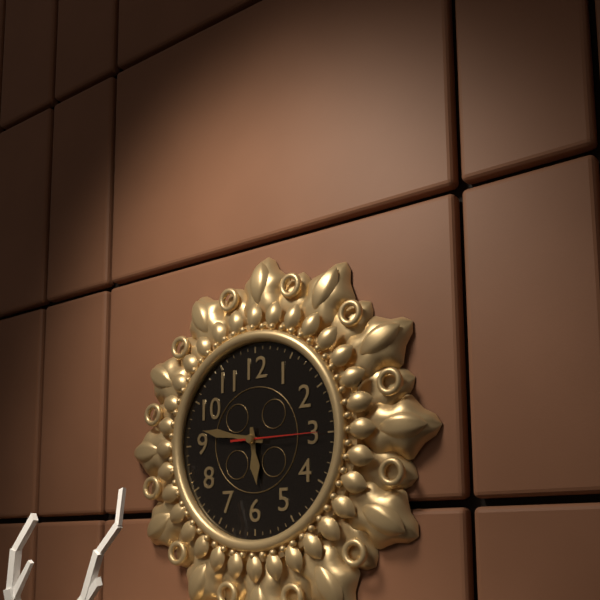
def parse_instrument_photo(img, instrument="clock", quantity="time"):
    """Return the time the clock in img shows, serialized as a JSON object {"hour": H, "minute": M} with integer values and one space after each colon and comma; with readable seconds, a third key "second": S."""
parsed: {"hour": 5, "minute": 47, "second": 15}
